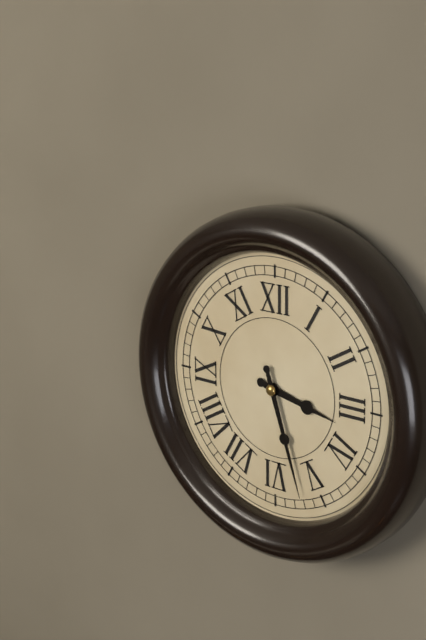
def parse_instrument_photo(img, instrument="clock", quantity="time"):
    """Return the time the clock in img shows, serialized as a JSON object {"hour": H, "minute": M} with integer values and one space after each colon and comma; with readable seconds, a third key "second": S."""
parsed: {"hour": 3, "minute": 27}
